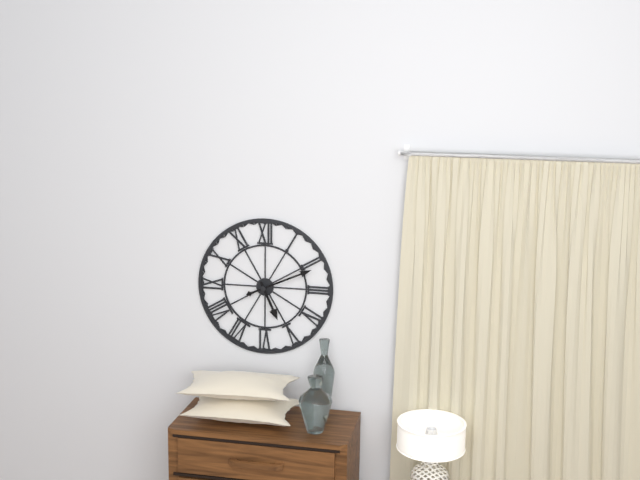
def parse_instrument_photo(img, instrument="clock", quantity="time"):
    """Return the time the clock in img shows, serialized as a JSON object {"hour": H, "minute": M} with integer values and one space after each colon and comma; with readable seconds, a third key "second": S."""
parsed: {"hour": 5, "minute": 11}
